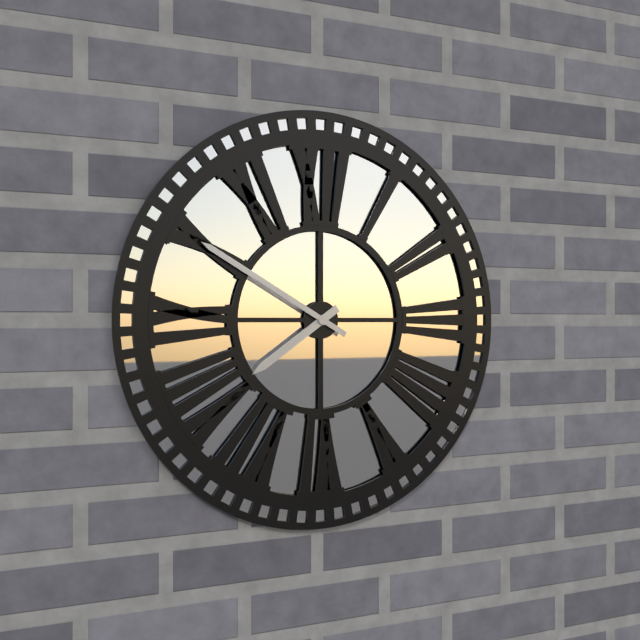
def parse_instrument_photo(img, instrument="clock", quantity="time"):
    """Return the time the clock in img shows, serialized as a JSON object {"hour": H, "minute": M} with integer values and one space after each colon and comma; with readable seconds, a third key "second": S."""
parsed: {"hour": 7, "minute": 50}
